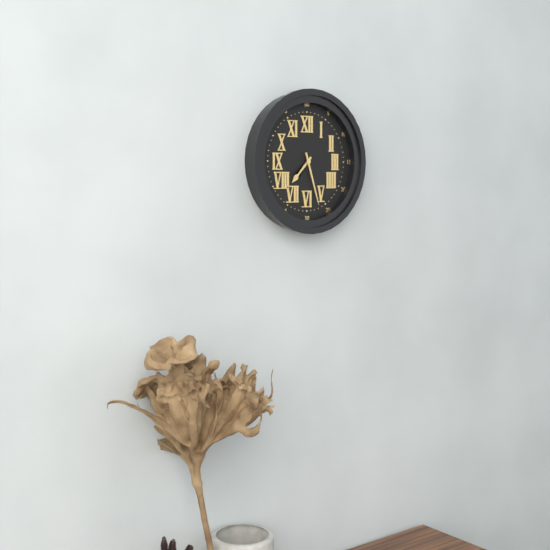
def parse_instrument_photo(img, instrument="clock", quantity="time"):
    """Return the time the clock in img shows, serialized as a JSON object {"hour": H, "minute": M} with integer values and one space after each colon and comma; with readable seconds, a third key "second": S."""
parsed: {"hour": 7, "minute": 27}
